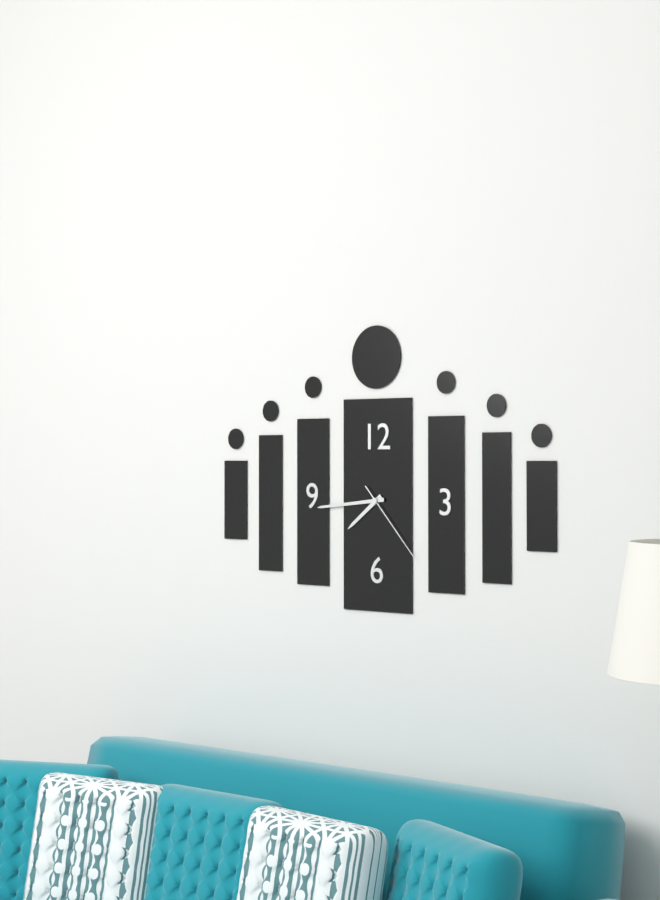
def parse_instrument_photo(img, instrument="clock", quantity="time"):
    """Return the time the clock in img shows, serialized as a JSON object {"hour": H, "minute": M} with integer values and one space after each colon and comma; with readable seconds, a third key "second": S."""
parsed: {"hour": 7, "minute": 44, "second": 23}
